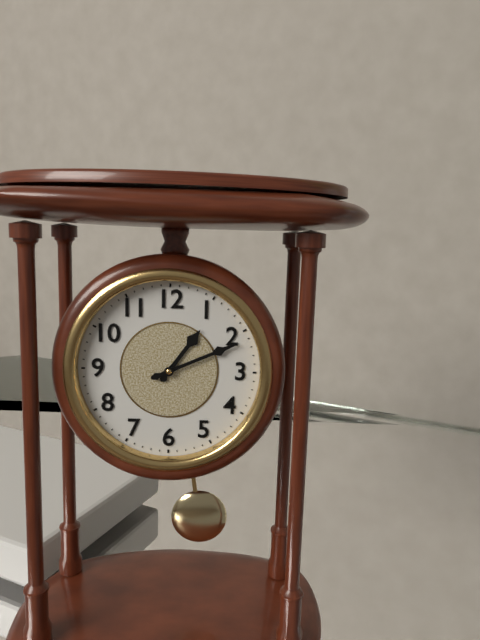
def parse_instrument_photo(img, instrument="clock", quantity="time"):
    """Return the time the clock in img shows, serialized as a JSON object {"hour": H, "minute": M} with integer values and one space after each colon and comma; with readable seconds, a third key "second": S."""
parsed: {"hour": 1, "minute": 11}
